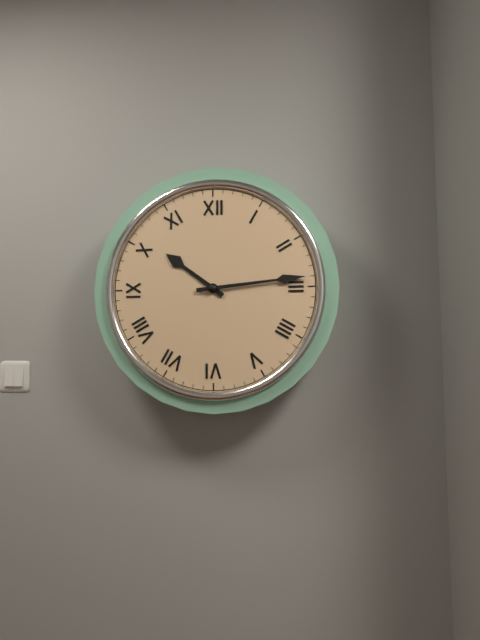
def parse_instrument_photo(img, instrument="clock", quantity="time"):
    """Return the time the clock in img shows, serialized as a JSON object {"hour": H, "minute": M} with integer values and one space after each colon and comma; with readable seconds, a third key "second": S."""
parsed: {"hour": 10, "minute": 14}
